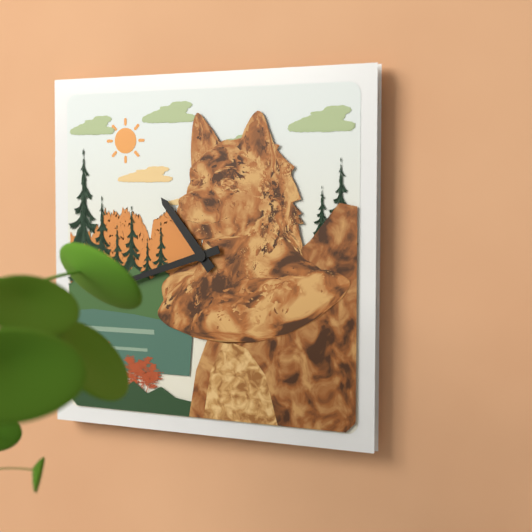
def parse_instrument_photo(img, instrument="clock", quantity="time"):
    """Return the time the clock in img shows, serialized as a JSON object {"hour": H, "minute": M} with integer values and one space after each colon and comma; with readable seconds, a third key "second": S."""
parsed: {"hour": 10, "minute": 42}
